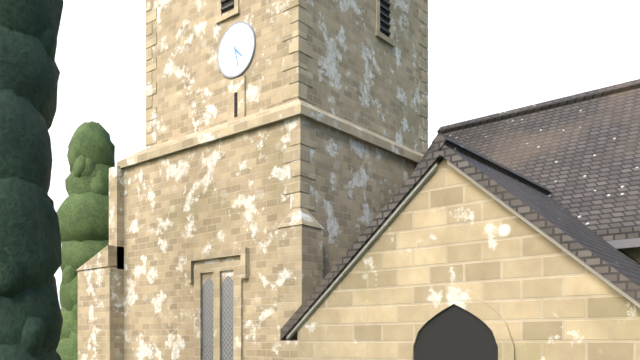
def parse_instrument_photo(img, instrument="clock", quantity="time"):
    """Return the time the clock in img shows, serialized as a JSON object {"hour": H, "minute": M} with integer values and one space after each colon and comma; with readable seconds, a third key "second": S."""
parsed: {"hour": 4, "minute": 28}
